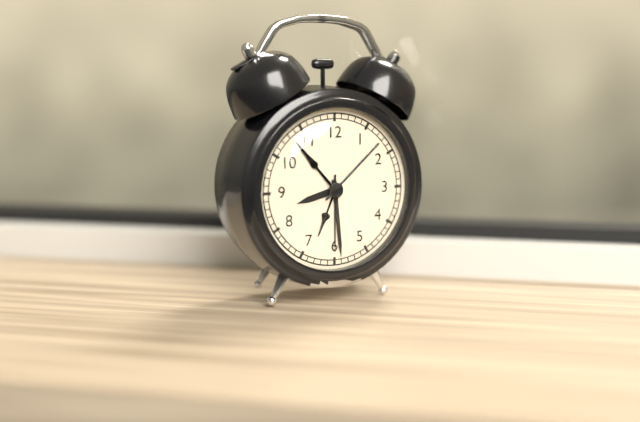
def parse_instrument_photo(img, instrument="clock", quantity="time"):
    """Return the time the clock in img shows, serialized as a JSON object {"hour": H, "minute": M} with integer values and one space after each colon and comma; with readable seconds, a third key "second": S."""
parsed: {"hour": 8, "minute": 29, "second": 30}
